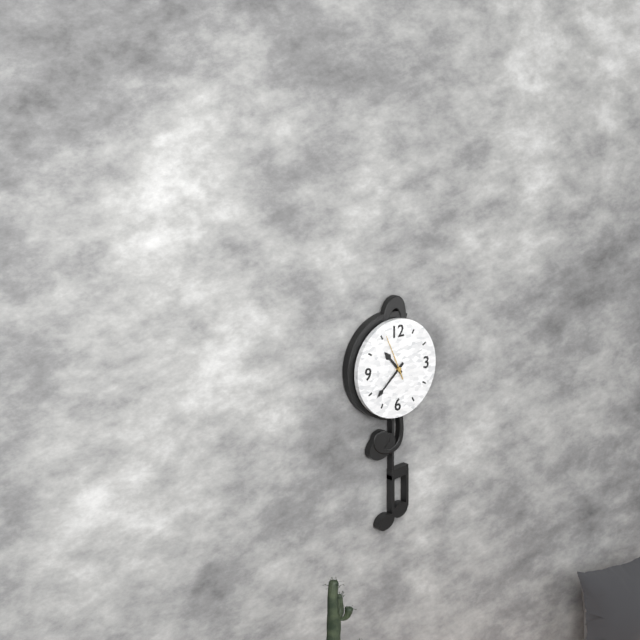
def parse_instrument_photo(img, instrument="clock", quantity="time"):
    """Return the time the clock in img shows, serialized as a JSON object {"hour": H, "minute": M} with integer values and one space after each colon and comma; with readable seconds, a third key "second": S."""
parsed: {"hour": 10, "minute": 38}
